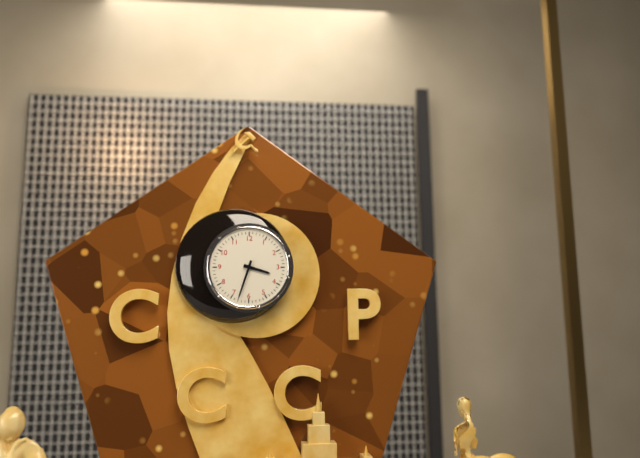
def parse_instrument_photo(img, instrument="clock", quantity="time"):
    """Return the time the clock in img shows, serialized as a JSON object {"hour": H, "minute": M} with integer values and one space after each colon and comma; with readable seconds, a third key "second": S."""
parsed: {"hour": 3, "minute": 33}
